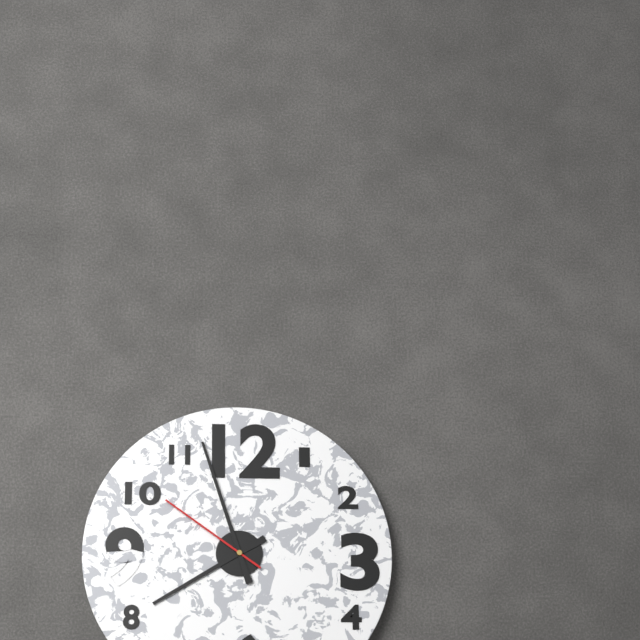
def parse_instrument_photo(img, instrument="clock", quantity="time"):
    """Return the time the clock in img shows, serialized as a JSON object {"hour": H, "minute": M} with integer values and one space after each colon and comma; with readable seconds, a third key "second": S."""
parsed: {"hour": 7, "minute": 57, "second": 51}
